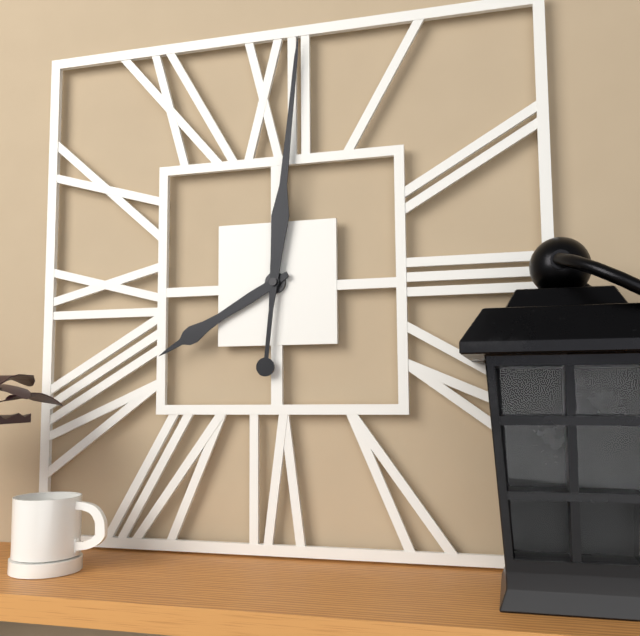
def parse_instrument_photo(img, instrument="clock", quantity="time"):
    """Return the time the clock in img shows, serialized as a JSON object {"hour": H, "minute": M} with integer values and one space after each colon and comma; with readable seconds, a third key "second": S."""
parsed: {"hour": 8, "minute": 1}
